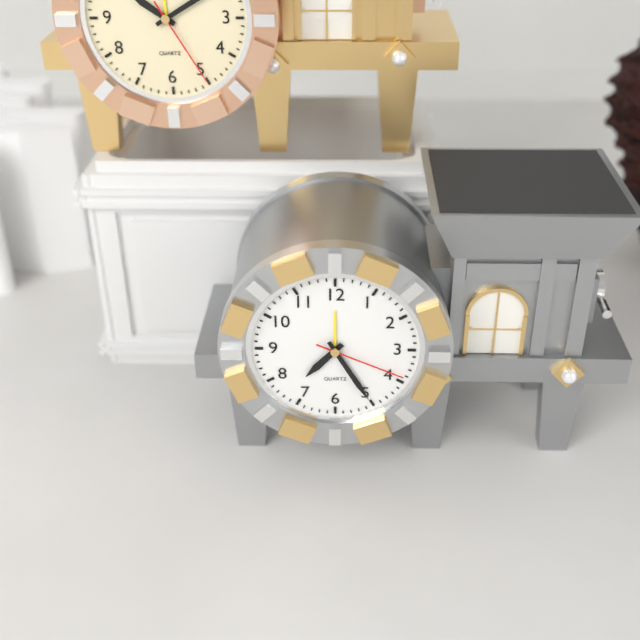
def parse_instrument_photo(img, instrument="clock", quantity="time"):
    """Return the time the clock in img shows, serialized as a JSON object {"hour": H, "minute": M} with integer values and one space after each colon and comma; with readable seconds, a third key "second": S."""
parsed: {"hour": 7, "minute": 25, "second": 19}
